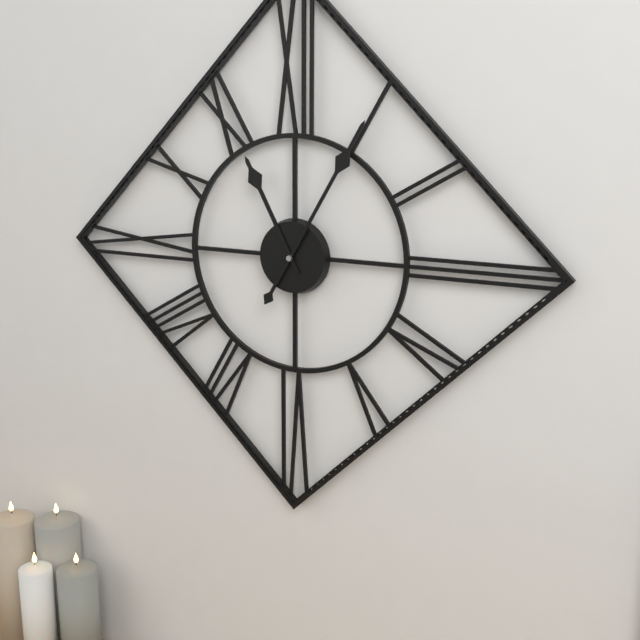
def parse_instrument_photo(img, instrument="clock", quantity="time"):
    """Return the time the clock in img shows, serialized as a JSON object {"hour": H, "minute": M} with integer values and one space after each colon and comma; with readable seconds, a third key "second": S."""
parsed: {"hour": 11, "minute": 5}
